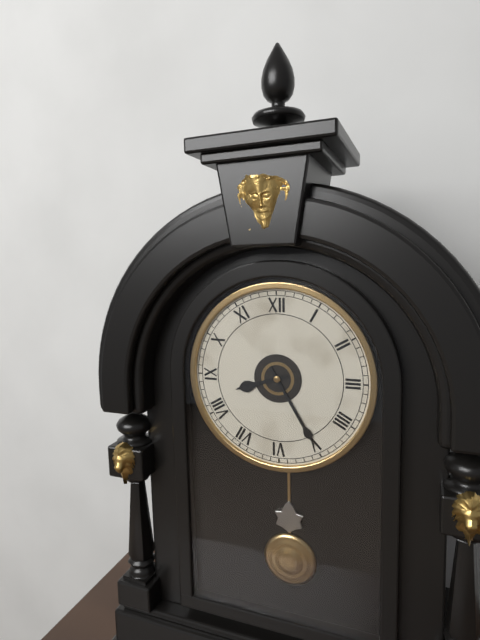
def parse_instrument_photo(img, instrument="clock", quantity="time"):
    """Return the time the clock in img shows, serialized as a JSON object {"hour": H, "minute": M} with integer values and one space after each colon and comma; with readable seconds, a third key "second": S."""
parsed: {"hour": 8, "minute": 25}
